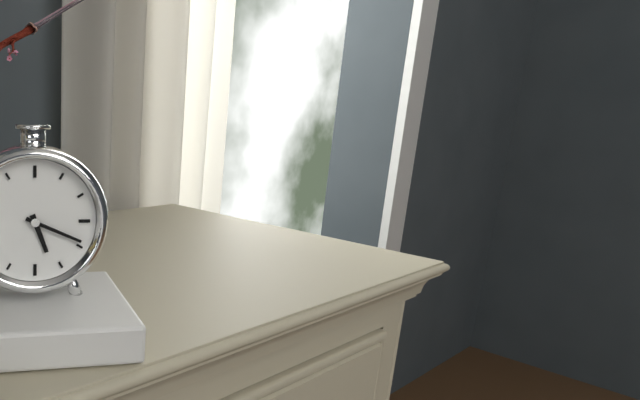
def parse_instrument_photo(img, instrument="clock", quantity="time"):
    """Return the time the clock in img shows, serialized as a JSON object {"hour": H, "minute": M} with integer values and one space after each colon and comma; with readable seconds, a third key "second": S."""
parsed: {"hour": 5, "minute": 19}
